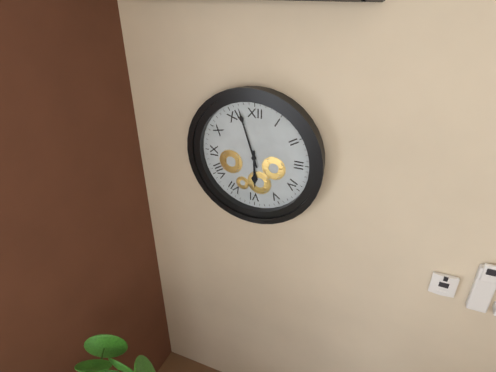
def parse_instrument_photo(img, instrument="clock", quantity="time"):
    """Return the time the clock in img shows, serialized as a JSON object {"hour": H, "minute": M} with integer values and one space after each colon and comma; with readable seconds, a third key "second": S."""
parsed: {"hour": 5, "minute": 57}
